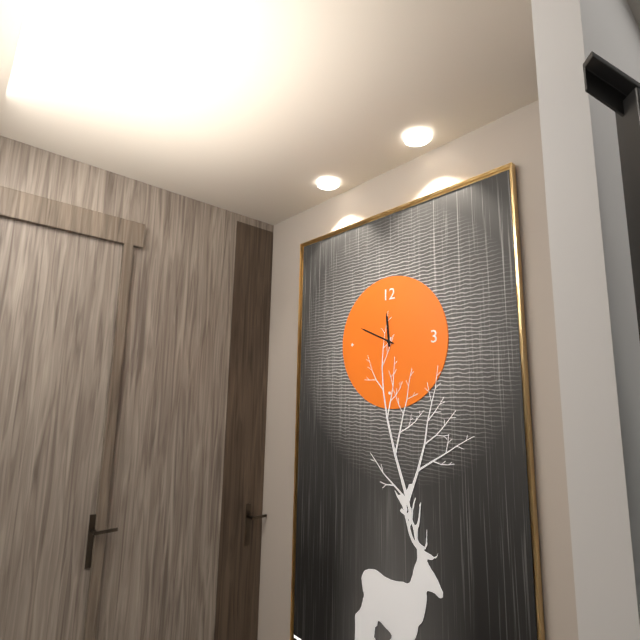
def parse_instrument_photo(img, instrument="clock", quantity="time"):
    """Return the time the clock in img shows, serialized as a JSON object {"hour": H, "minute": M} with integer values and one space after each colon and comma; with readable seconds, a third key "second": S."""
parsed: {"hour": 11, "minute": 49}
